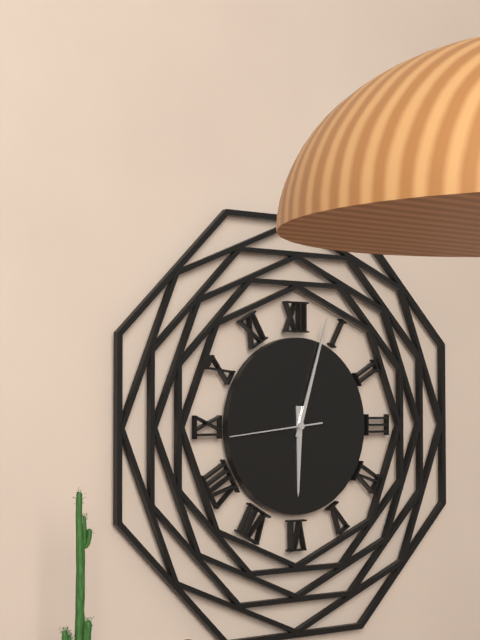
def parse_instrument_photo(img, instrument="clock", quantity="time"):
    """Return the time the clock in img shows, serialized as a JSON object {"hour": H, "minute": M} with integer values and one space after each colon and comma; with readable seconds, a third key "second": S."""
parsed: {"hour": 6, "minute": 3, "second": 44}
